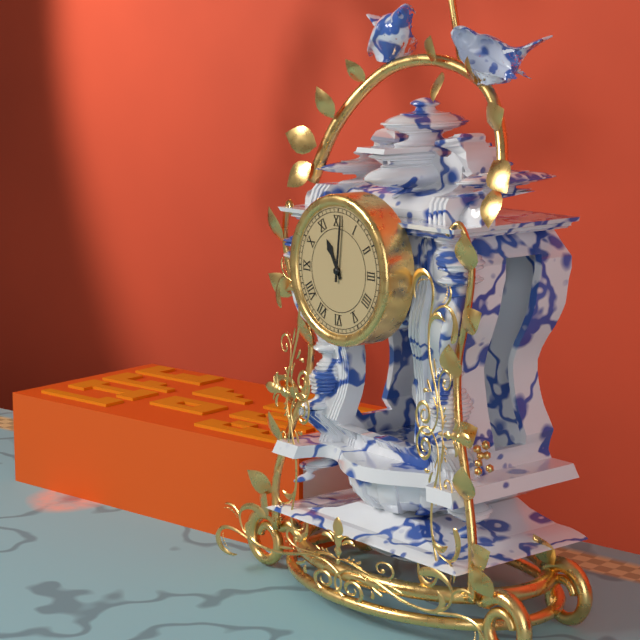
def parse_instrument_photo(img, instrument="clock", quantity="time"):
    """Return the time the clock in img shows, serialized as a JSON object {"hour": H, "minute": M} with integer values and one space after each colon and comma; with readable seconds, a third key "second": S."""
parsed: {"hour": 11, "minute": 1}
